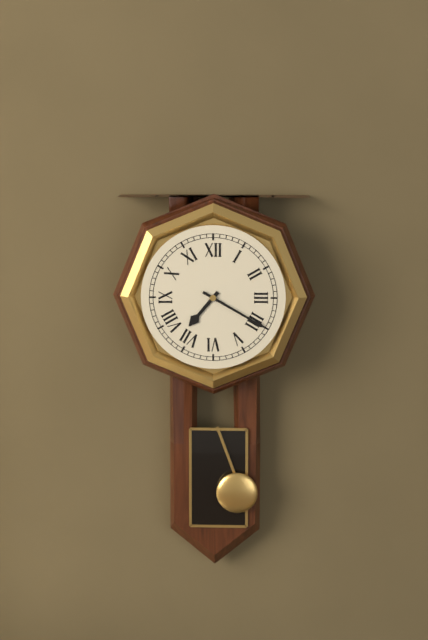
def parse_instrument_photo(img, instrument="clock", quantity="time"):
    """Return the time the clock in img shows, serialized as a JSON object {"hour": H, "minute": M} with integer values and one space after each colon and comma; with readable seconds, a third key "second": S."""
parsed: {"hour": 7, "minute": 20}
